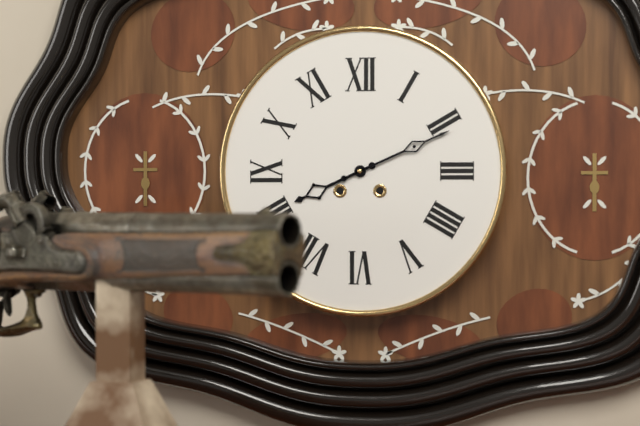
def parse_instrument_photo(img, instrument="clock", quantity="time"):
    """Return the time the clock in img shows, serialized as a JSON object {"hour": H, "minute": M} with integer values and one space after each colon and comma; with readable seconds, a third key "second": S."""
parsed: {"hour": 8, "minute": 11}
